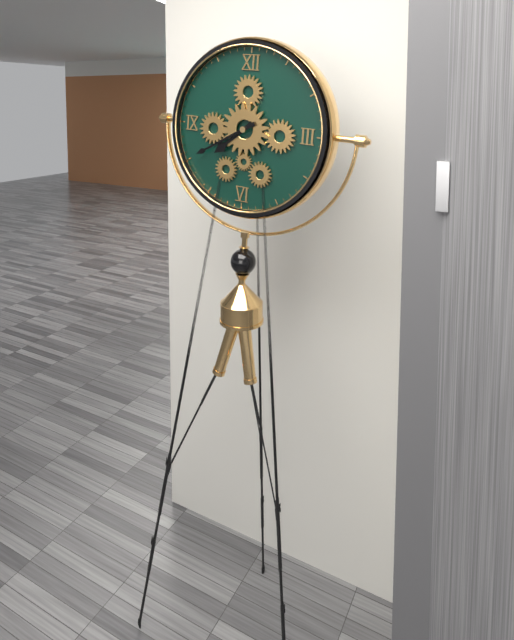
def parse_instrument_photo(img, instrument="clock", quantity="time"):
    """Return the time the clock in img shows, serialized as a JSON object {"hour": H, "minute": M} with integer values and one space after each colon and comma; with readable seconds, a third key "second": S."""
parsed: {"hour": 7, "minute": 40}
